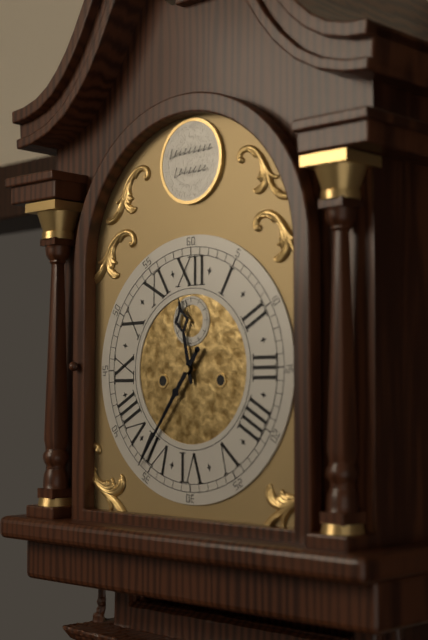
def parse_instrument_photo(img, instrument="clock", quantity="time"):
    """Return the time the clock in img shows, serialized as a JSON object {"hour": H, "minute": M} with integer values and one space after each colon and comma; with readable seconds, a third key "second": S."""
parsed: {"hour": 11, "minute": 36, "second": 57}
